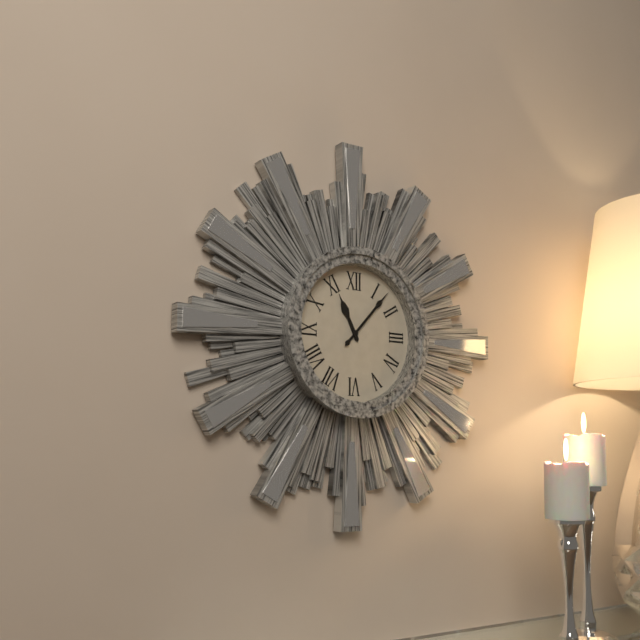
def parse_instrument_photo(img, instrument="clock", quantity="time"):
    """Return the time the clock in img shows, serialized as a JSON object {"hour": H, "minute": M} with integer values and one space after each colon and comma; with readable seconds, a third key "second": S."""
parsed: {"hour": 11, "minute": 7}
